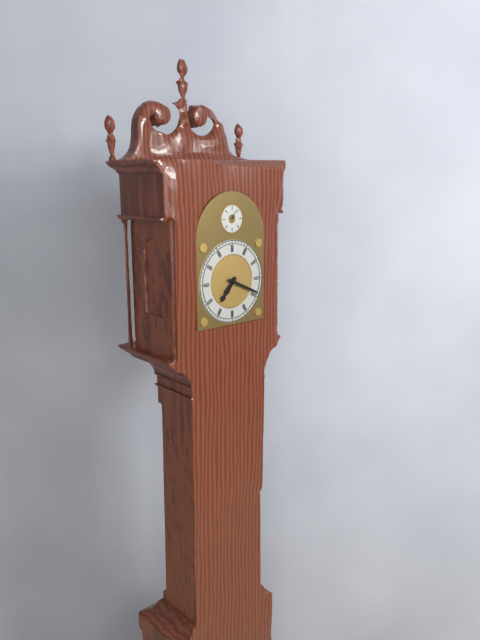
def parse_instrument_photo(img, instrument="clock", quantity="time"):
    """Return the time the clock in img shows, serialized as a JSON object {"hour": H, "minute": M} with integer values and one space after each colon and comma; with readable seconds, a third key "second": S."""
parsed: {"hour": 7, "minute": 19}
